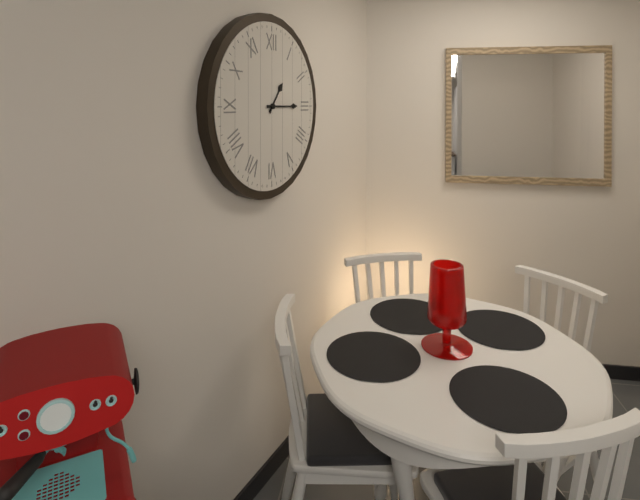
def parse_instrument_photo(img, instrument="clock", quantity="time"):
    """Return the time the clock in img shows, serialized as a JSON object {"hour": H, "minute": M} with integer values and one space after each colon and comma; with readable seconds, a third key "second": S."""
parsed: {"hour": 1, "minute": 15}
